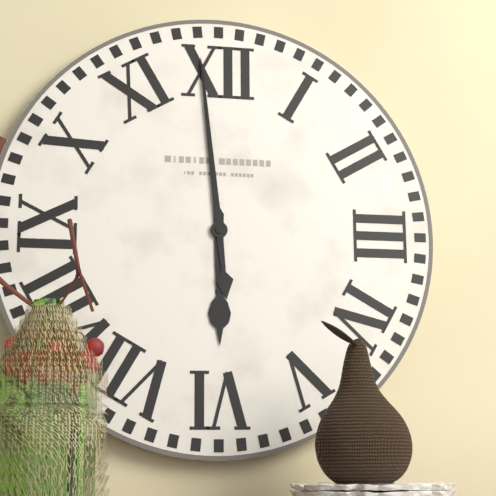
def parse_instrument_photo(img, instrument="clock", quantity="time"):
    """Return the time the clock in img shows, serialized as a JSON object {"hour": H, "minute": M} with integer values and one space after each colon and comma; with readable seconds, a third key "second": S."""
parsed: {"hour": 5, "minute": 59}
